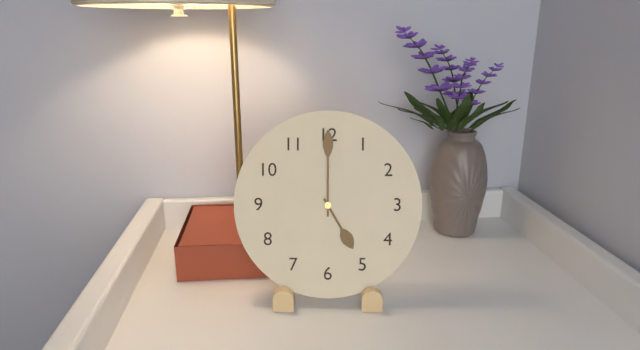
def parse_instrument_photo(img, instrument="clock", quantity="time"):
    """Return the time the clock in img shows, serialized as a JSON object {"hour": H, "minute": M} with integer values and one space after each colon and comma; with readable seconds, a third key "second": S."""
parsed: {"hour": 5, "minute": 0}
